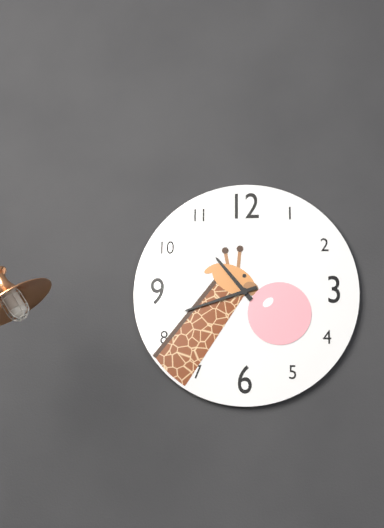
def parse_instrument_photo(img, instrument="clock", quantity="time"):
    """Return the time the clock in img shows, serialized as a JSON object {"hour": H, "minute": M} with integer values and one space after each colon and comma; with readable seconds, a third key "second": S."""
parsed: {"hour": 10, "minute": 42}
